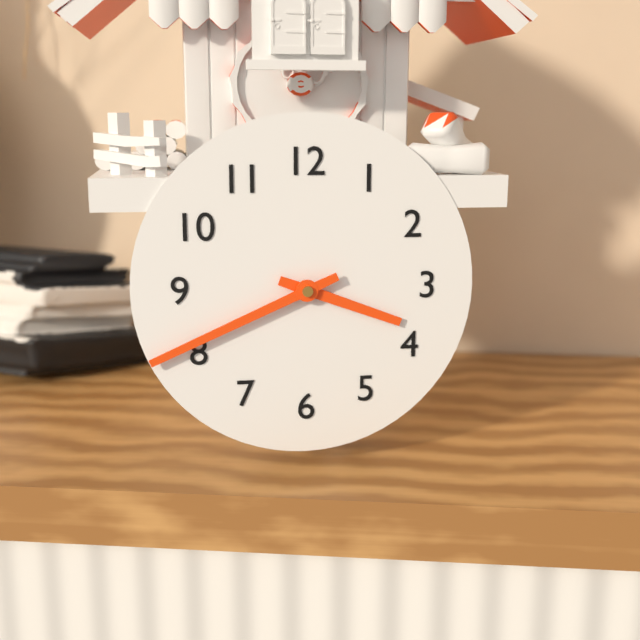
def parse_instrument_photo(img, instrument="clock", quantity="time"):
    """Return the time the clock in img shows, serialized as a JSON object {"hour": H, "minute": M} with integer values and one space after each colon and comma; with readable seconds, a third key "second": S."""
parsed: {"hour": 3, "minute": 41}
